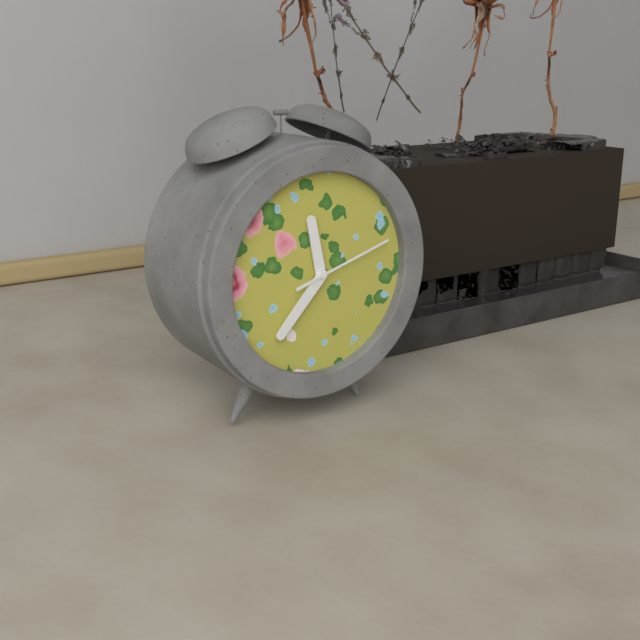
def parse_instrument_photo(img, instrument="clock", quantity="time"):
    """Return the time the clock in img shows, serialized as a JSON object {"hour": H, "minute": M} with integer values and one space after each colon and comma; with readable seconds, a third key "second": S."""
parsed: {"hour": 11, "minute": 37, "second": 12}
